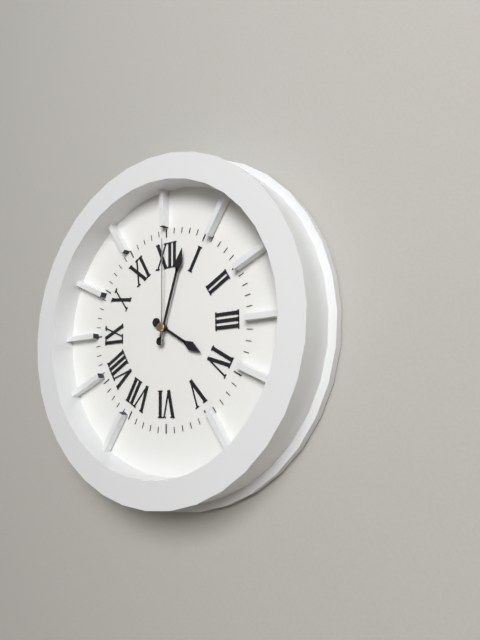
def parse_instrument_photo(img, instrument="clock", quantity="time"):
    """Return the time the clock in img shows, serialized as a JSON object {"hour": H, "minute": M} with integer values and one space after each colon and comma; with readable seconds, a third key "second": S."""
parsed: {"hour": 4, "minute": 3, "second": 0}
